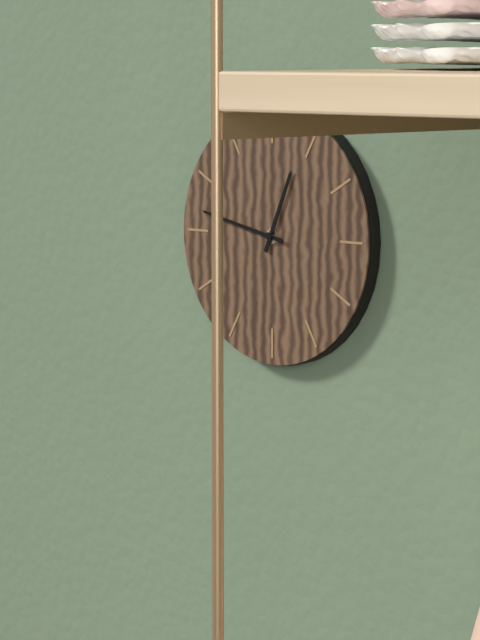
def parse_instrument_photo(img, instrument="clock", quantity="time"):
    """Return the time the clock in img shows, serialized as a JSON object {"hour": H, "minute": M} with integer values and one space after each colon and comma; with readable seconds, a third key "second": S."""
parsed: {"hour": 12, "minute": 47}
